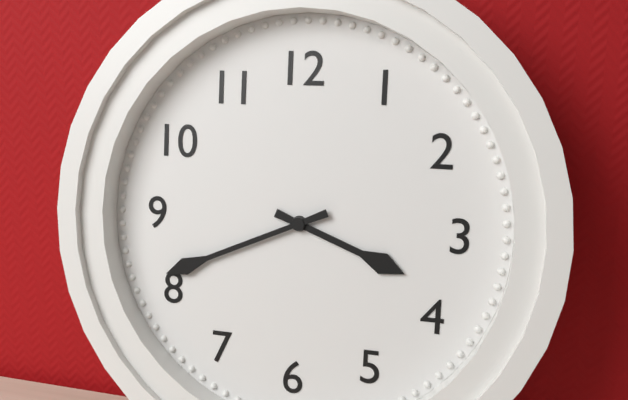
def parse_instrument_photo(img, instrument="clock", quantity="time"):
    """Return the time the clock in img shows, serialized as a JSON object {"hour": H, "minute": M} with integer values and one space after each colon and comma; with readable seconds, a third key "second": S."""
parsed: {"hour": 3, "minute": 41}
